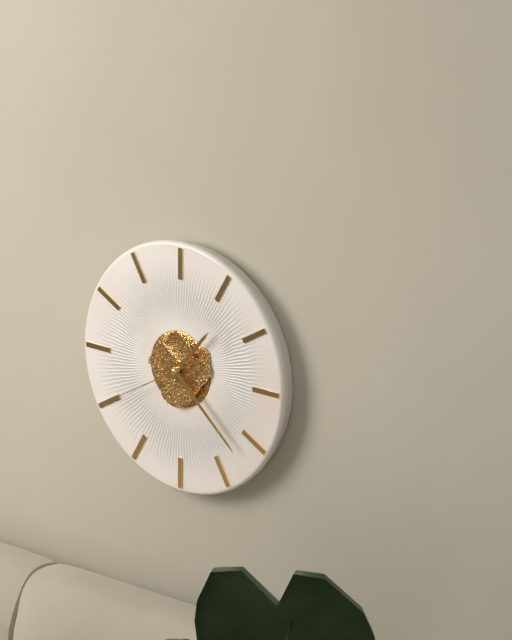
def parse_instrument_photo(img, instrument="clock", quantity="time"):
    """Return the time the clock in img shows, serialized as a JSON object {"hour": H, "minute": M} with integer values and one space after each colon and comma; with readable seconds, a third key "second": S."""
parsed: {"hour": 1, "minute": 22, "second": 40}
